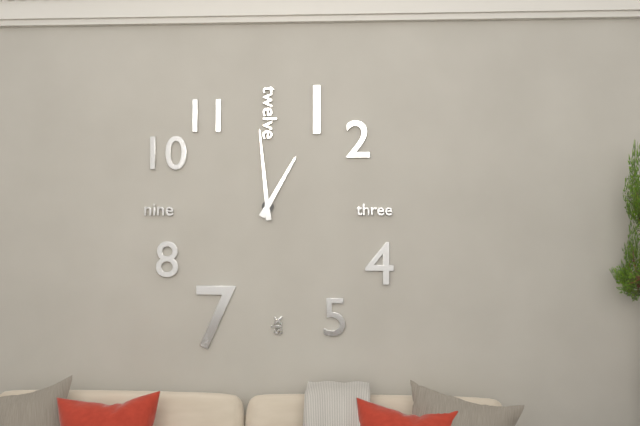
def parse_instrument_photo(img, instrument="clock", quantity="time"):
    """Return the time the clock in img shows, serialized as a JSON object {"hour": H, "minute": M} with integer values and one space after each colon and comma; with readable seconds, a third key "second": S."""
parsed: {"hour": 12, "minute": 59}
